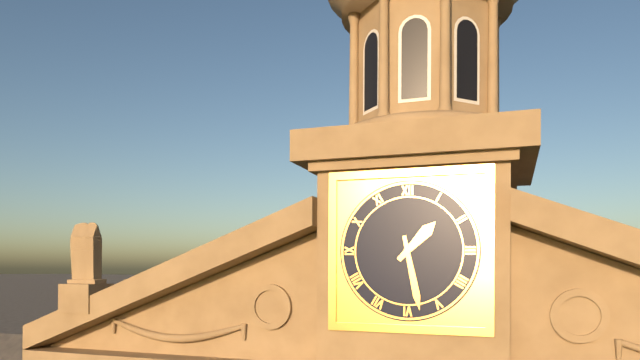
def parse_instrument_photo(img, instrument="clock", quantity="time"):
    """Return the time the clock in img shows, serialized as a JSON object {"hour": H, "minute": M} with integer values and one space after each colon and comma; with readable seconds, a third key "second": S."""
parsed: {"hour": 1, "minute": 28}
